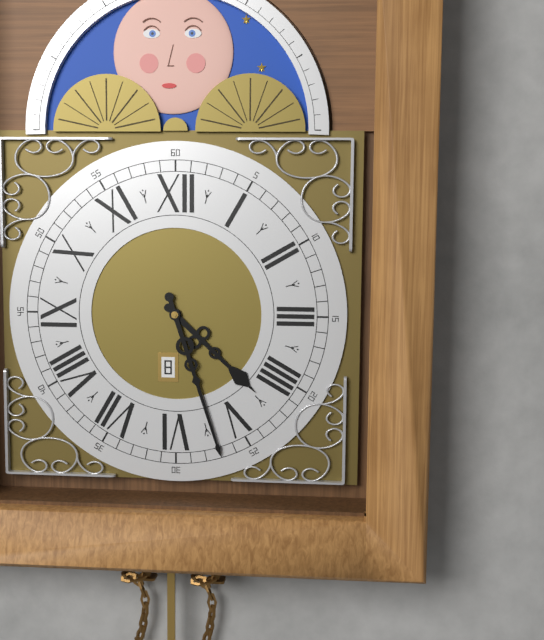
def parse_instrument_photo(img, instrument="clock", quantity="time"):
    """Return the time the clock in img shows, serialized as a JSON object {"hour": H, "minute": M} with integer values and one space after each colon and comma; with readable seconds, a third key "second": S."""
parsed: {"hour": 4, "minute": 27}
